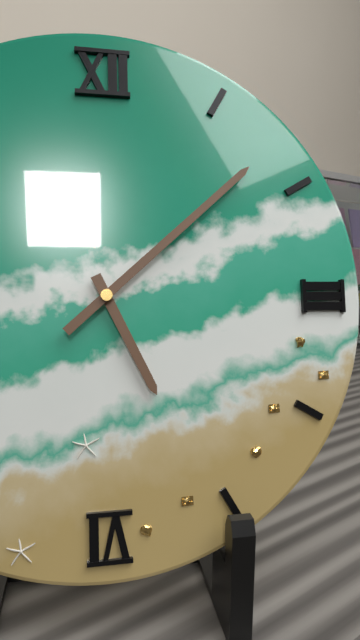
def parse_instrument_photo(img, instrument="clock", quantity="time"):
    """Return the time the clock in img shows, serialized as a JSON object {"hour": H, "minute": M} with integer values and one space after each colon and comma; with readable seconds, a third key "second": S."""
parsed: {"hour": 5, "minute": 8}
